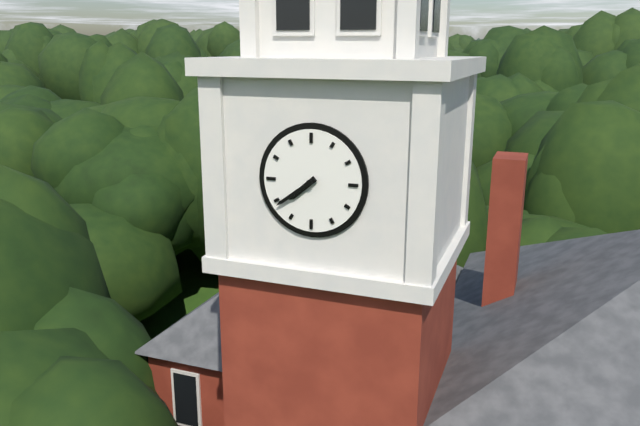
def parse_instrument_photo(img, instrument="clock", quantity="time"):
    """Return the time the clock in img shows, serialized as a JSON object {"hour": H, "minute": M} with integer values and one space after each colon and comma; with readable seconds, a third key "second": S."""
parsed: {"hour": 7, "minute": 39}
